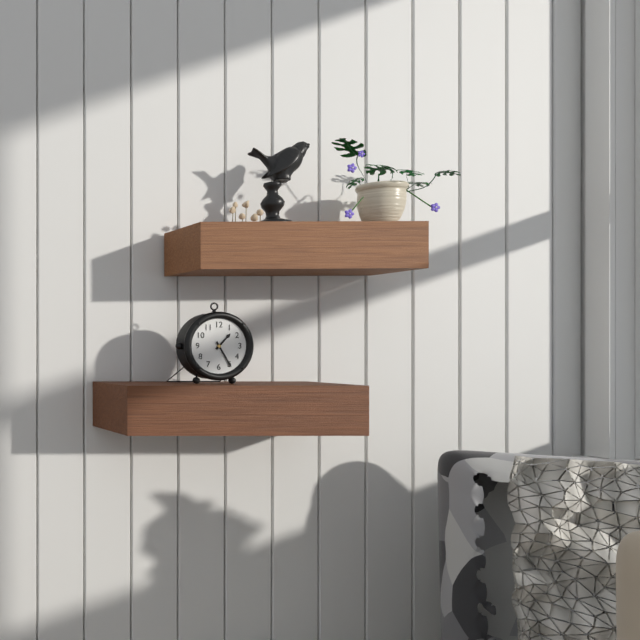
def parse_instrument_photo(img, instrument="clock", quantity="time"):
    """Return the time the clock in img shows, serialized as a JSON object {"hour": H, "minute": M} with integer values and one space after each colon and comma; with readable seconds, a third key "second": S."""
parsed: {"hour": 1, "minute": 25}
